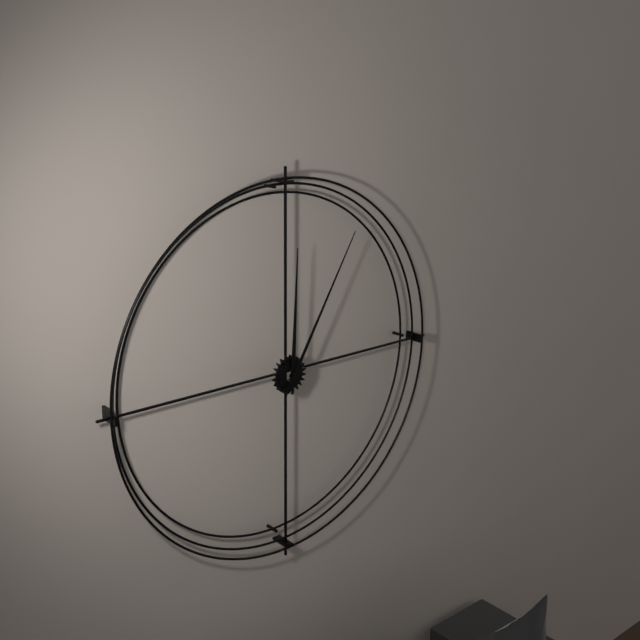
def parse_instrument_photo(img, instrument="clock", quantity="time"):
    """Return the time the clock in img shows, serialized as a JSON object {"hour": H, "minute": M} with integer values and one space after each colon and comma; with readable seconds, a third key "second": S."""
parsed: {"hour": 12, "minute": 5}
